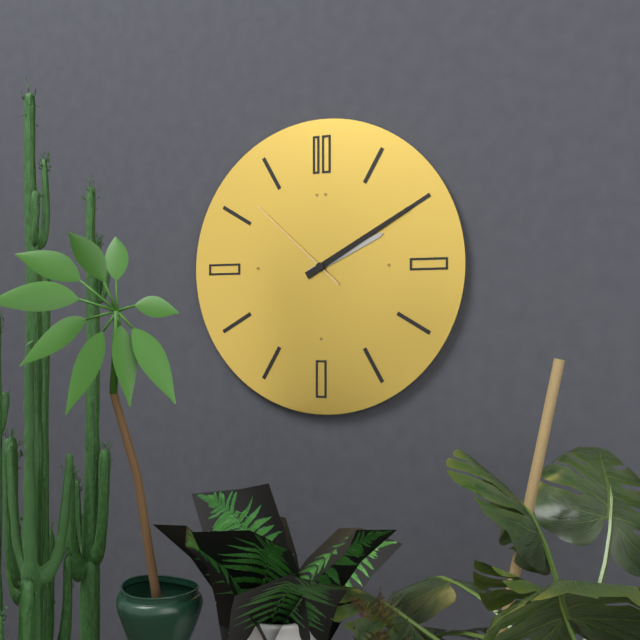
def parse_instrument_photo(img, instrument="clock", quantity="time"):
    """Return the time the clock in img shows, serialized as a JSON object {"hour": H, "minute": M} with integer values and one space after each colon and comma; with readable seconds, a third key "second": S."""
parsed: {"hour": 2, "minute": 10, "second": 52}
